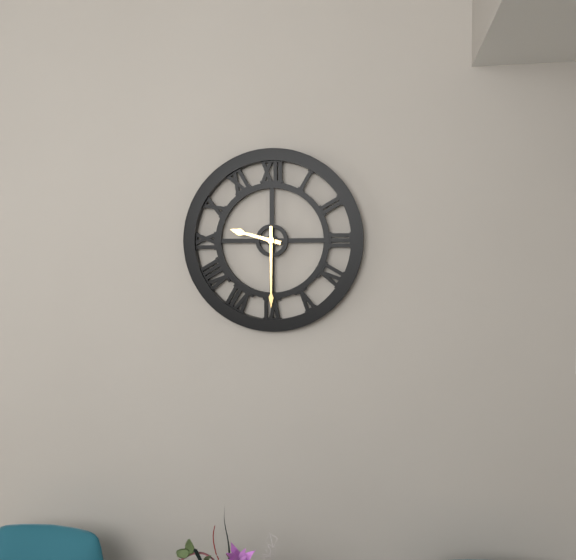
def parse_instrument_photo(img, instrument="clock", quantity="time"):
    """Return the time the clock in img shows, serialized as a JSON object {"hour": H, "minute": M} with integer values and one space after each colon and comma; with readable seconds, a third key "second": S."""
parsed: {"hour": 9, "minute": 30}
